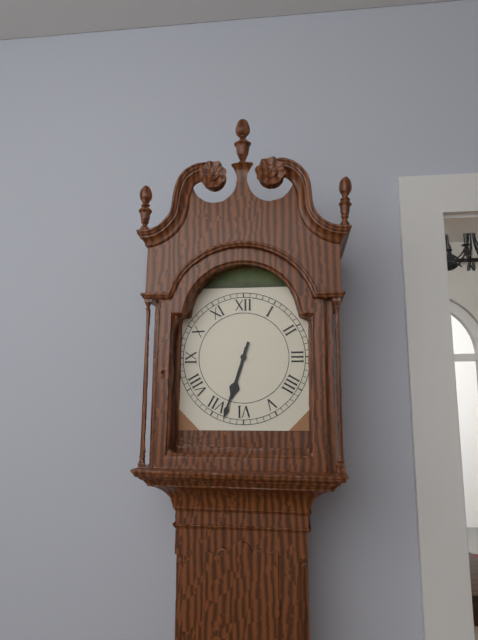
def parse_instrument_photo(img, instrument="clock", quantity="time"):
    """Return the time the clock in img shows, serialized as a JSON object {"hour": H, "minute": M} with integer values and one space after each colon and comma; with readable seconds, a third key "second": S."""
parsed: {"hour": 6, "minute": 33}
